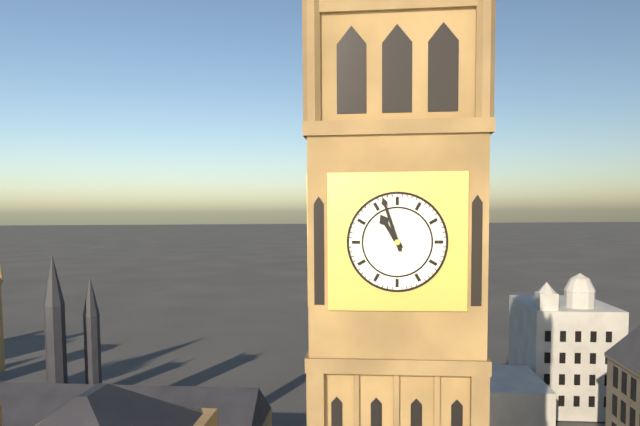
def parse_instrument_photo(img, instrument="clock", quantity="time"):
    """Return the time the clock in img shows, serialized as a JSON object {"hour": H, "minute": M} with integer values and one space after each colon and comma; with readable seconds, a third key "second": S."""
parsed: {"hour": 10, "minute": 57}
